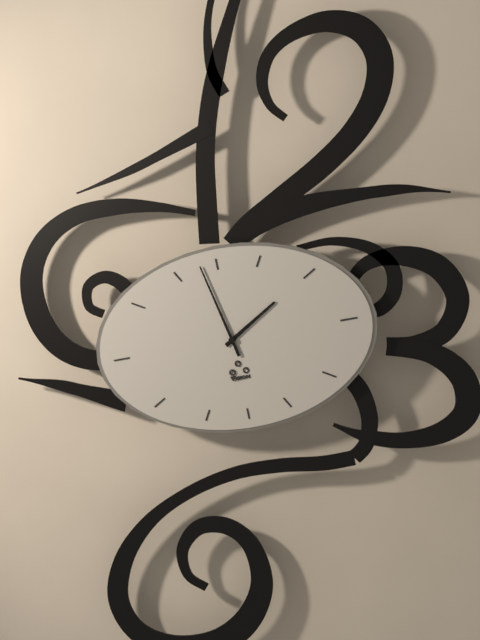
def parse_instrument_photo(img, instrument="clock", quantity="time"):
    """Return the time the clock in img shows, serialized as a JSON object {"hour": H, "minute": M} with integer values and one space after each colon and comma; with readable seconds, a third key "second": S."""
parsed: {"hour": 1, "minute": 58}
